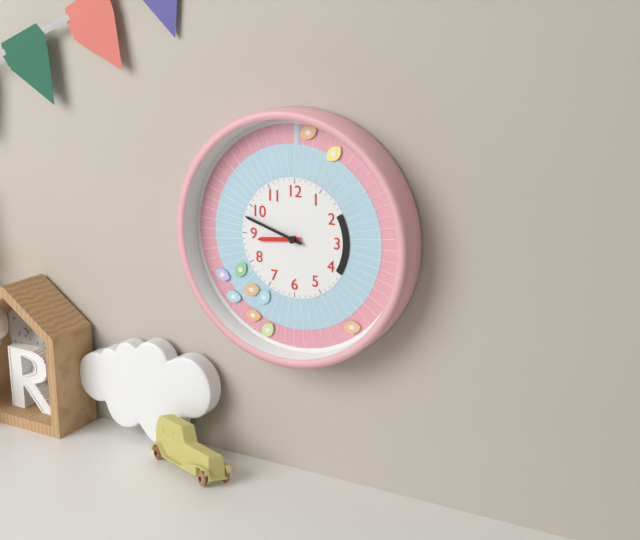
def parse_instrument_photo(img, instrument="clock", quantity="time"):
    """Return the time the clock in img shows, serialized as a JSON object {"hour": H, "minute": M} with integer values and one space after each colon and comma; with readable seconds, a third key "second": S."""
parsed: {"hour": 8, "minute": 48}
